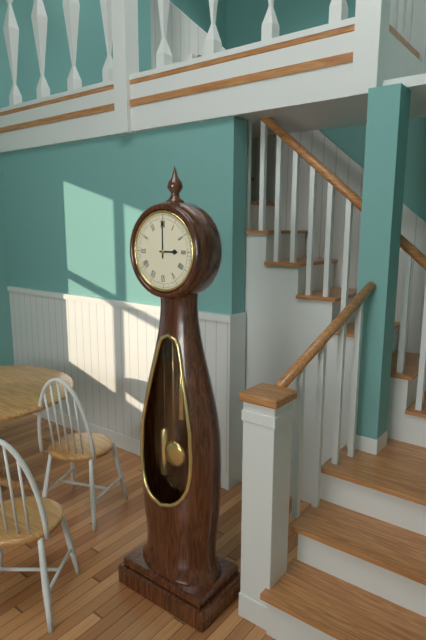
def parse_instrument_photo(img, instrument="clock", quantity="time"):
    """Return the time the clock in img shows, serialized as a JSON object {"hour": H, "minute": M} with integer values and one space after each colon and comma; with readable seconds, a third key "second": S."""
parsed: {"hour": 3, "minute": 0}
